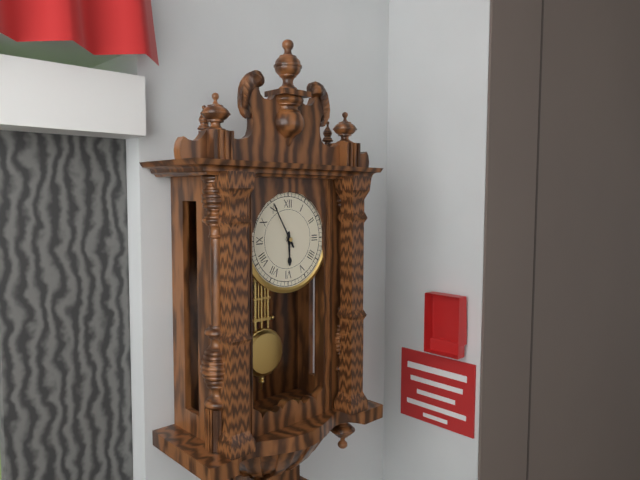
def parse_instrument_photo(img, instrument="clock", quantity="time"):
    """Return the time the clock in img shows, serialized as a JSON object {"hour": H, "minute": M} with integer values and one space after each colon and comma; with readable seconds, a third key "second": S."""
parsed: {"hour": 5, "minute": 55}
